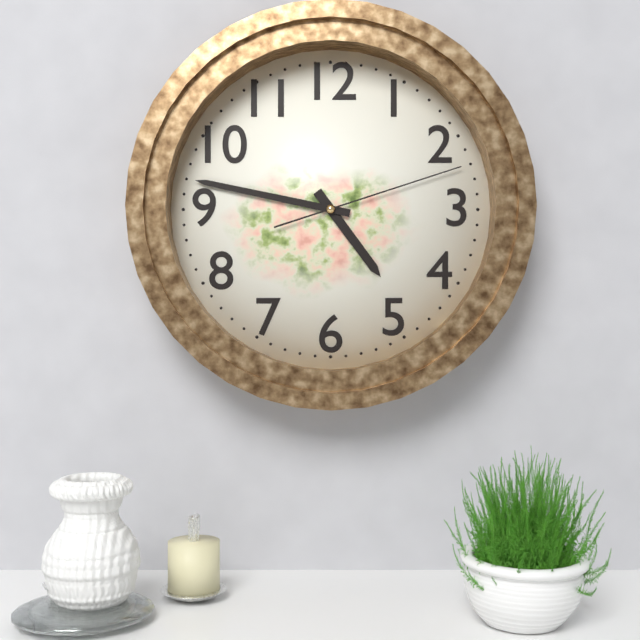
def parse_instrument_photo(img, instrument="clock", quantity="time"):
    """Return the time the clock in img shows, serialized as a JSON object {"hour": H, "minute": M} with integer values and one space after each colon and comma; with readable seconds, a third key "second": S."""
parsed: {"hour": 4, "minute": 47, "second": 12}
